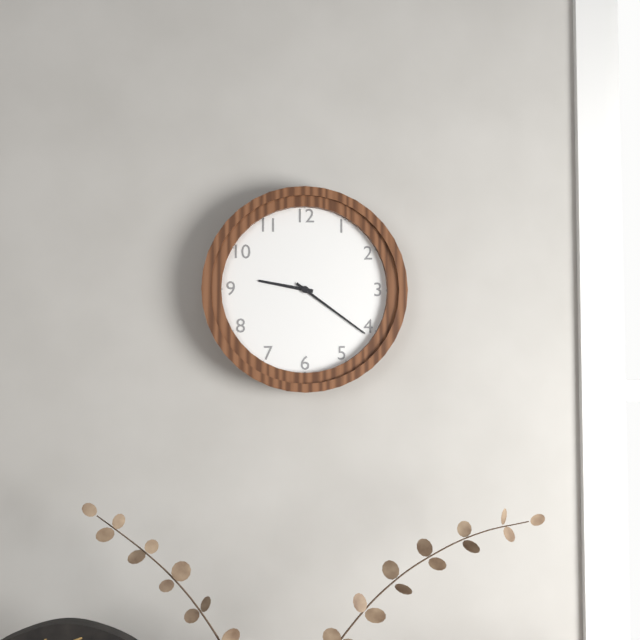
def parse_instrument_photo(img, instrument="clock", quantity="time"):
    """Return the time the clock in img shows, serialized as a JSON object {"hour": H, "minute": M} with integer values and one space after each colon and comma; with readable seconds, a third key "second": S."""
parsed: {"hour": 9, "minute": 21}
